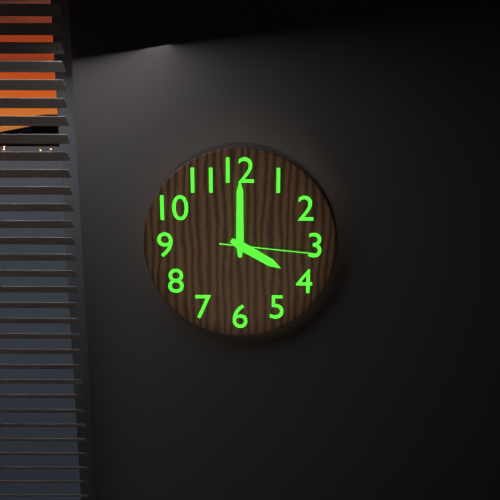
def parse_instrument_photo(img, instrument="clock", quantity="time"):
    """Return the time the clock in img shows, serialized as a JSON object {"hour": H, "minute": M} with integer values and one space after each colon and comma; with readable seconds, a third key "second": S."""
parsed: {"hour": 4, "minute": 0, "second": 16}
